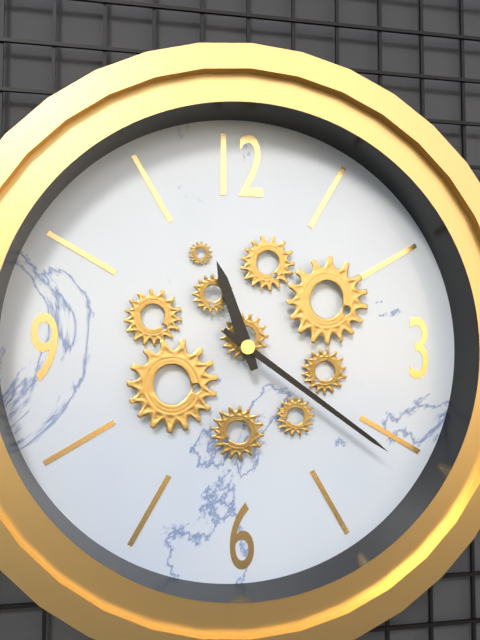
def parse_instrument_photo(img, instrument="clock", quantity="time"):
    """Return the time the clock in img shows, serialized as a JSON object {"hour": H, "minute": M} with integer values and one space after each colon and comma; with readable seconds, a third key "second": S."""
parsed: {"hour": 11, "minute": 21}
